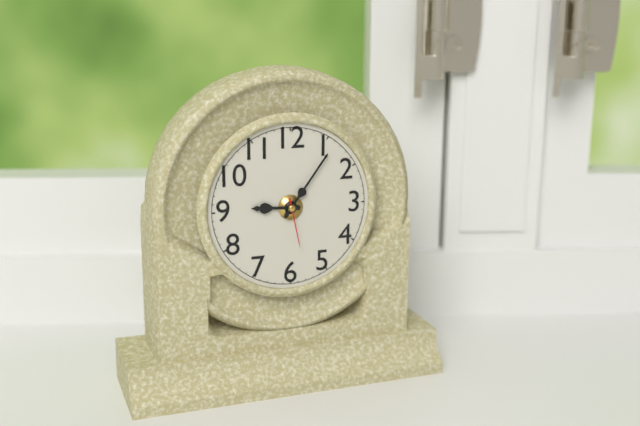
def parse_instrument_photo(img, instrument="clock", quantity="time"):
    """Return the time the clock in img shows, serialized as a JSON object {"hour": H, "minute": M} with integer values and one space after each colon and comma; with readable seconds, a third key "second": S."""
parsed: {"hour": 9, "minute": 6, "second": 28}
